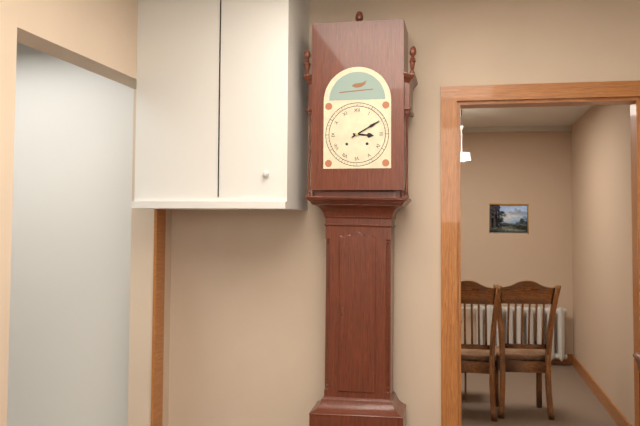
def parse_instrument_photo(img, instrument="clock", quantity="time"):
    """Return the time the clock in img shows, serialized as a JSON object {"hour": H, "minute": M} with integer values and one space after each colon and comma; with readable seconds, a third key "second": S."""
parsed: {"hour": 3, "minute": 10}
